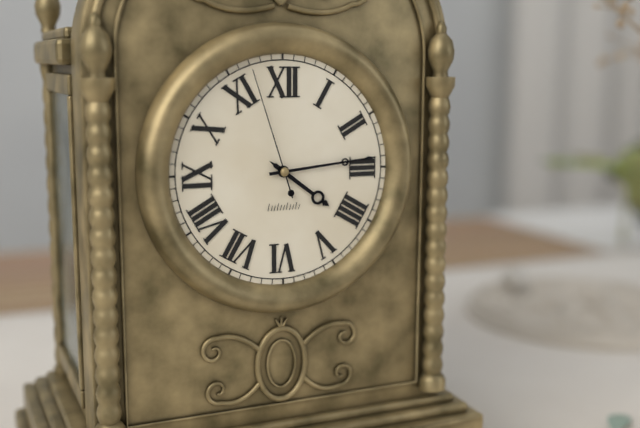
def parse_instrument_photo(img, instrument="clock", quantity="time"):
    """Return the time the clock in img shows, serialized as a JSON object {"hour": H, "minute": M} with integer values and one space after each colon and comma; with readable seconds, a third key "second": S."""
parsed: {"hour": 4, "minute": 14, "second": 57}
